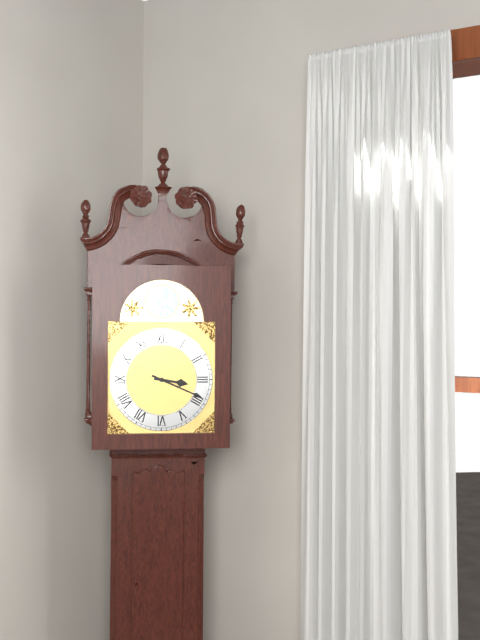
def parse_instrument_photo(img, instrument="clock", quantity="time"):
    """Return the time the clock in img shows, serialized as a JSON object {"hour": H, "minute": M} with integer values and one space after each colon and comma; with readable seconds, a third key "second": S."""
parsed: {"hour": 3, "minute": 19}
